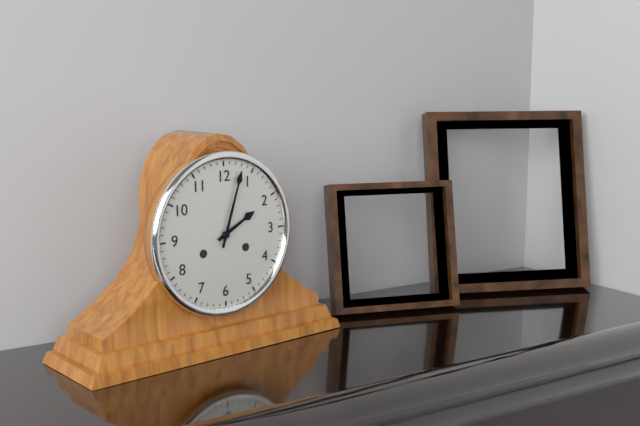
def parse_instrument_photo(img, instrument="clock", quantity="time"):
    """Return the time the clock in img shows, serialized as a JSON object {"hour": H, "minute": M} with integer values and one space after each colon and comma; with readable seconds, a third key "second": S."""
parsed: {"hour": 2, "minute": 3}
